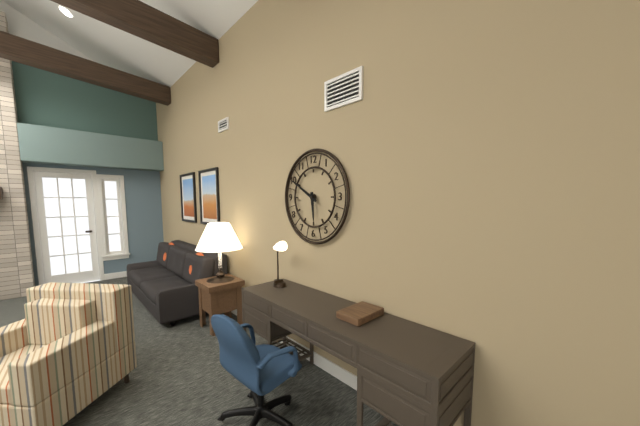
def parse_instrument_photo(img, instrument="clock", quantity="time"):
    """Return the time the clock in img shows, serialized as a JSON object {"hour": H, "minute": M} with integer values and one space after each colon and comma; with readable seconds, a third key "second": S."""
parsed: {"hour": 5, "minute": 50}
